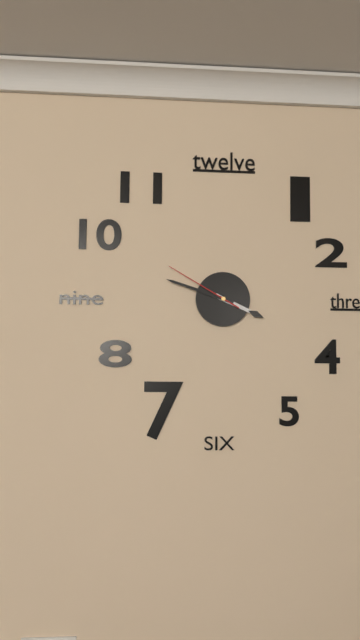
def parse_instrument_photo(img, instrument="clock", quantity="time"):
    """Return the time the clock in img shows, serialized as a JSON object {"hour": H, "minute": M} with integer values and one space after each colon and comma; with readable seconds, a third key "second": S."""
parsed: {"hour": 3, "minute": 48, "second": 50}
